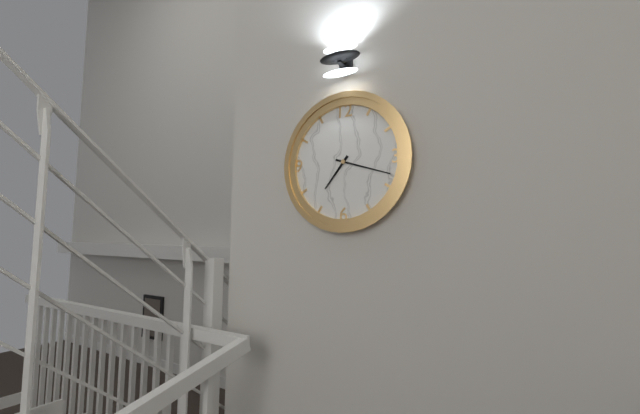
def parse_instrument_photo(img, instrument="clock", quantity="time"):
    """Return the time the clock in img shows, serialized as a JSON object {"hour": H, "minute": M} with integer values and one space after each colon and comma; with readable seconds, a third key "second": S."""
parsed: {"hour": 7, "minute": 18}
